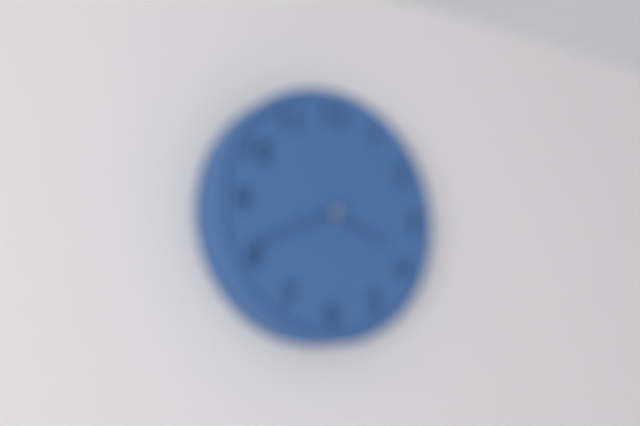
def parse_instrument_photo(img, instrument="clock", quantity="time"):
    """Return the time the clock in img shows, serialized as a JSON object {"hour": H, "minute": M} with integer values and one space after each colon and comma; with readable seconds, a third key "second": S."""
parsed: {"hour": 3, "minute": 41}
